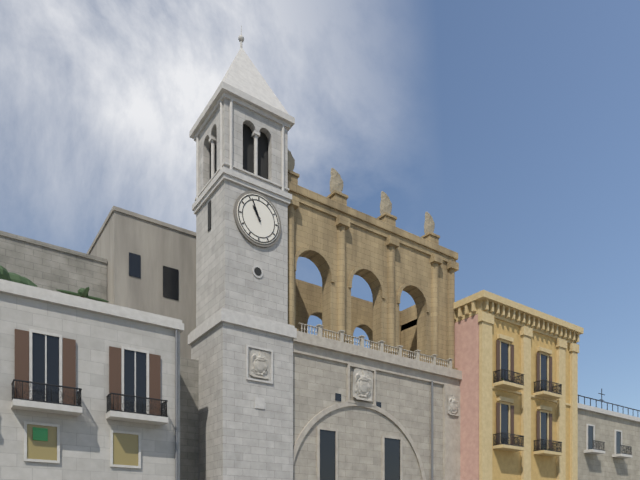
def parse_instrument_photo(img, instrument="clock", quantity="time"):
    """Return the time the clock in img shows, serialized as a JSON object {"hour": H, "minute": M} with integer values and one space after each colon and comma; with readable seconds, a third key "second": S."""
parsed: {"hour": 10, "minute": 56}
